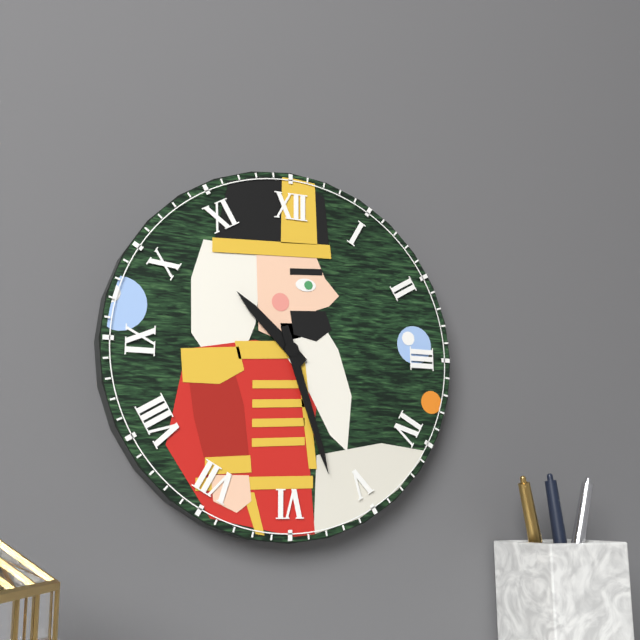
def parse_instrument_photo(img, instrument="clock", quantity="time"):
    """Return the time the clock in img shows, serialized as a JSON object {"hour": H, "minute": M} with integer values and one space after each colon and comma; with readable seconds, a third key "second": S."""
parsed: {"hour": 10, "minute": 27}
